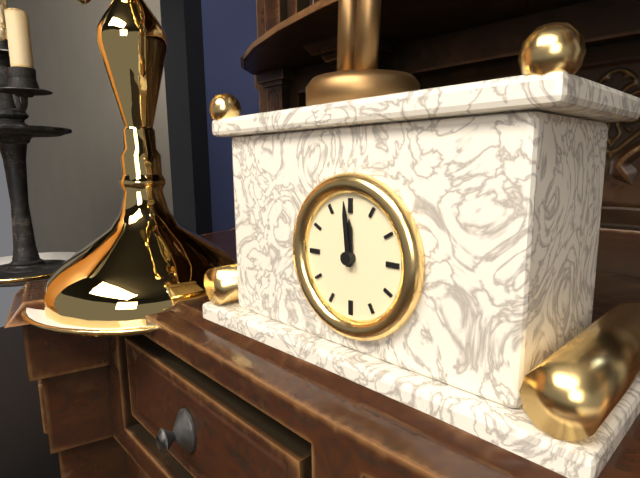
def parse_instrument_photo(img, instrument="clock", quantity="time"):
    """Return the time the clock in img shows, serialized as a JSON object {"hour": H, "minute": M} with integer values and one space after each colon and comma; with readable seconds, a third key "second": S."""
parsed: {"hour": 11, "minute": 59}
